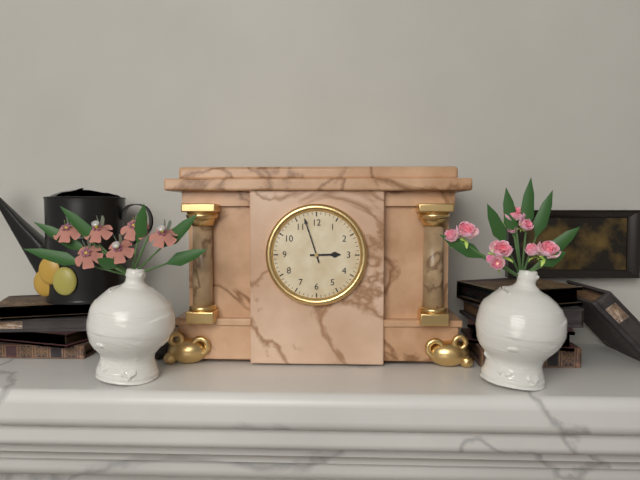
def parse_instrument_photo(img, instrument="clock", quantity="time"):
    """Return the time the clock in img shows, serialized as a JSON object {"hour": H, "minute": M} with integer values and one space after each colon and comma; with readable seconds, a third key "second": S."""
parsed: {"hour": 2, "minute": 57}
